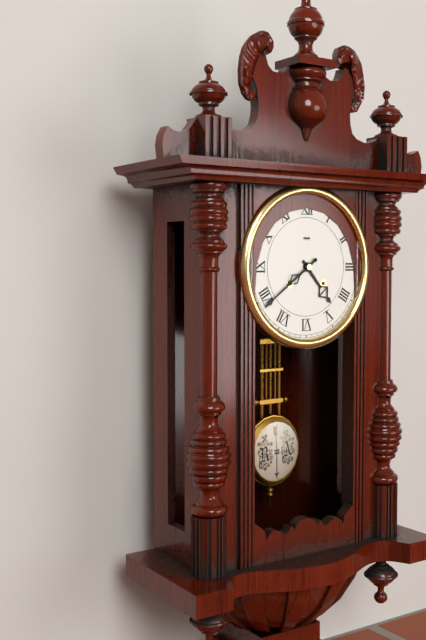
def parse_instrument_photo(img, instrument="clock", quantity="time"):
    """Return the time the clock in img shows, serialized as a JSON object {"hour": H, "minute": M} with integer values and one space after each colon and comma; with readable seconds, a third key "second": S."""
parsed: {"hour": 4, "minute": 39}
